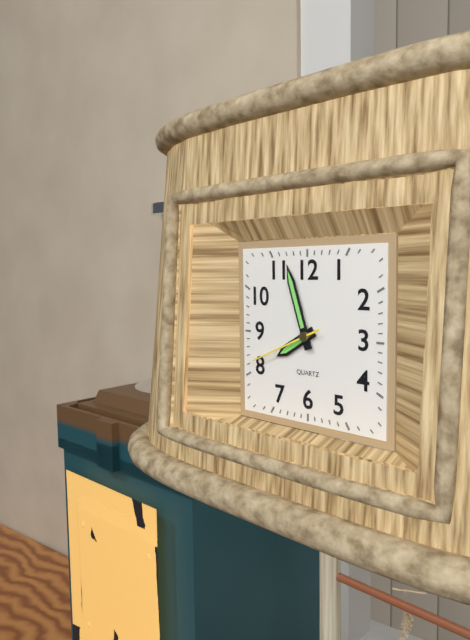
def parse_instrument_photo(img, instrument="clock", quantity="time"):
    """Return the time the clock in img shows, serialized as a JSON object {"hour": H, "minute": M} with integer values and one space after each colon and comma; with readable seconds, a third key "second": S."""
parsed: {"hour": 7, "minute": 57, "second": 41}
